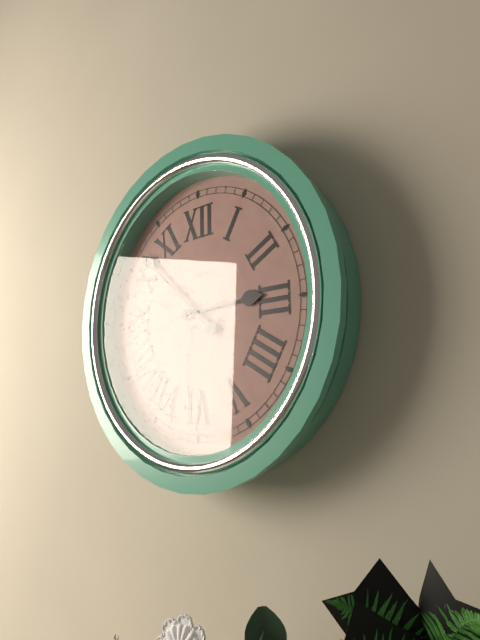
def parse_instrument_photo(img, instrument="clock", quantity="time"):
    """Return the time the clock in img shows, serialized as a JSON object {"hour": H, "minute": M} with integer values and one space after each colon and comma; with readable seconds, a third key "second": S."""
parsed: {"hour": 2, "minute": 52}
